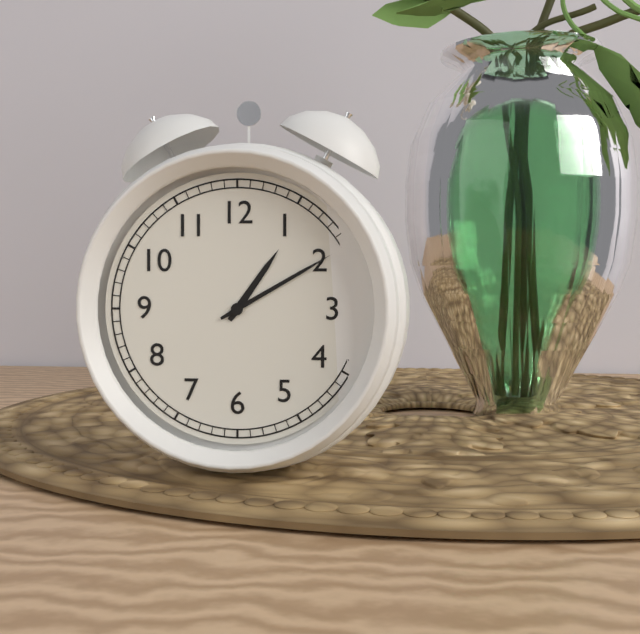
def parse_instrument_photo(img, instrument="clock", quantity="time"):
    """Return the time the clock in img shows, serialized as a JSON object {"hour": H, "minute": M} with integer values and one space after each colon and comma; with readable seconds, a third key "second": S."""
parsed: {"hour": 1, "minute": 10}
